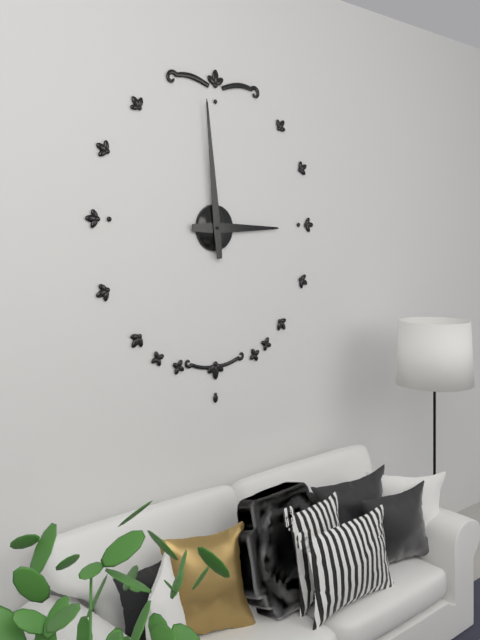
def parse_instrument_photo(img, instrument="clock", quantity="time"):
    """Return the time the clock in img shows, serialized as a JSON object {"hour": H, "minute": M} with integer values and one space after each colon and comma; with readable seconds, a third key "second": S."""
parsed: {"hour": 2, "minute": 59}
